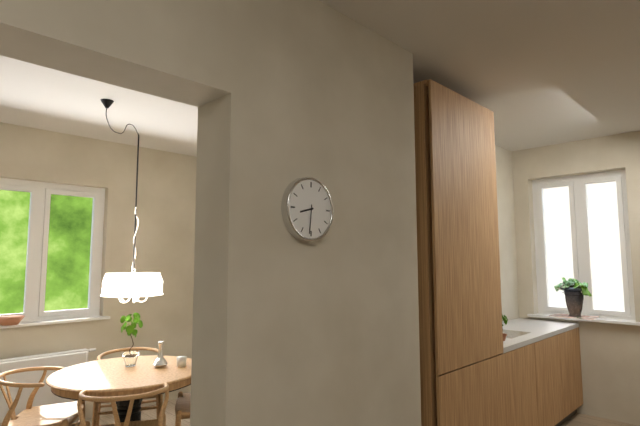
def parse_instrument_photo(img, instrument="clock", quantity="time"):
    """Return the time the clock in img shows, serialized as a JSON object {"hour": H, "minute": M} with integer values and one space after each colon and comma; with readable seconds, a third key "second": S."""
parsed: {"hour": 8, "minute": 31}
